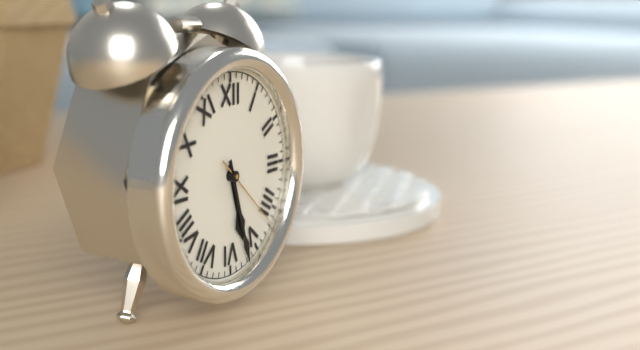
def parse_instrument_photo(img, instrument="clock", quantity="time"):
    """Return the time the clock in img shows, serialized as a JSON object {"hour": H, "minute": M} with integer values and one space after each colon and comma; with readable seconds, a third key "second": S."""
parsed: {"hour": 5, "minute": 27, "second": 22}
